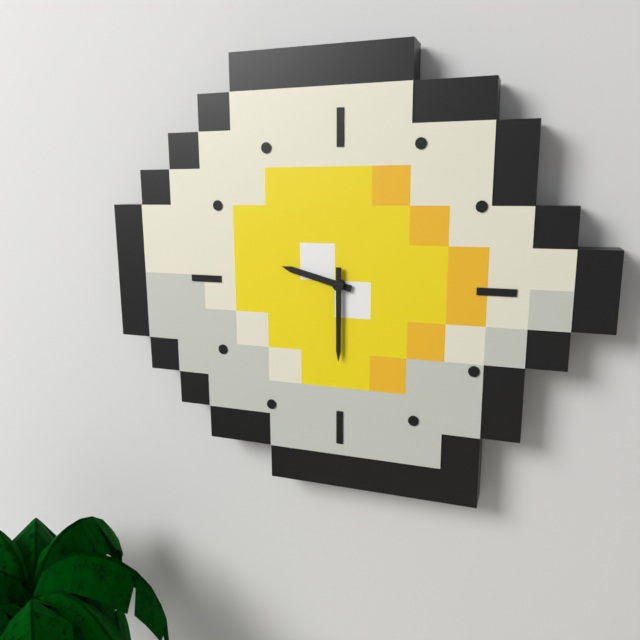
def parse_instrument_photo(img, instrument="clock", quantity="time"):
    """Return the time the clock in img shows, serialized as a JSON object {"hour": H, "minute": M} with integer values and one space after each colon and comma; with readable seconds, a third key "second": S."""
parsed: {"hour": 9, "minute": 30}
